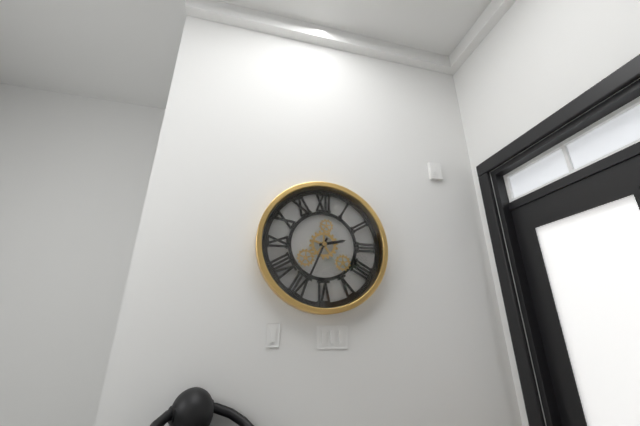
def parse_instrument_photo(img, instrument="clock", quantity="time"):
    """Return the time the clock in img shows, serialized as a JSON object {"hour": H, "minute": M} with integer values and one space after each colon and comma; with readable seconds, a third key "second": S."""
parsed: {"hour": 2, "minute": 34}
